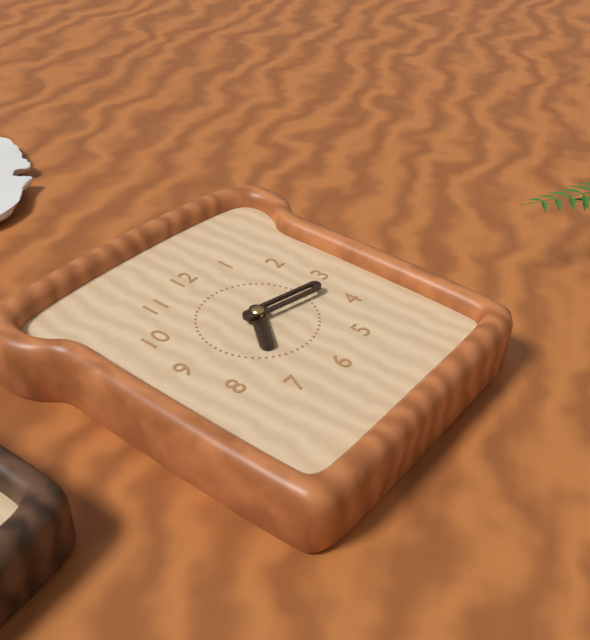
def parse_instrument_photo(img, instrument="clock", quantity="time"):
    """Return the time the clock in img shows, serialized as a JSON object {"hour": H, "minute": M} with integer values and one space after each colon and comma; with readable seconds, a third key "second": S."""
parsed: {"hour": 7, "minute": 17}
